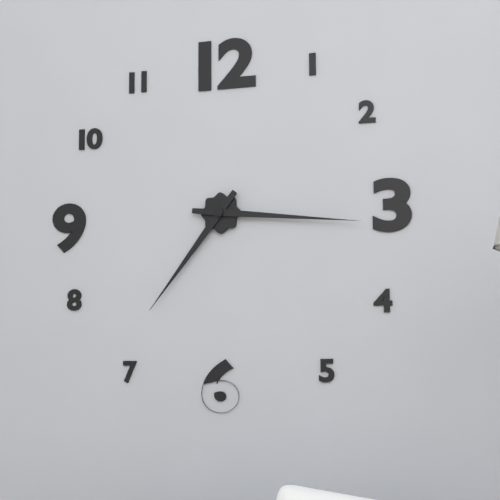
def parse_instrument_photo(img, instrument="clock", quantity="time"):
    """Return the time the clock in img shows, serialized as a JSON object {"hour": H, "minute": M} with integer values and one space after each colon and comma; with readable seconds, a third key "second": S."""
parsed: {"hour": 7, "minute": 16}
